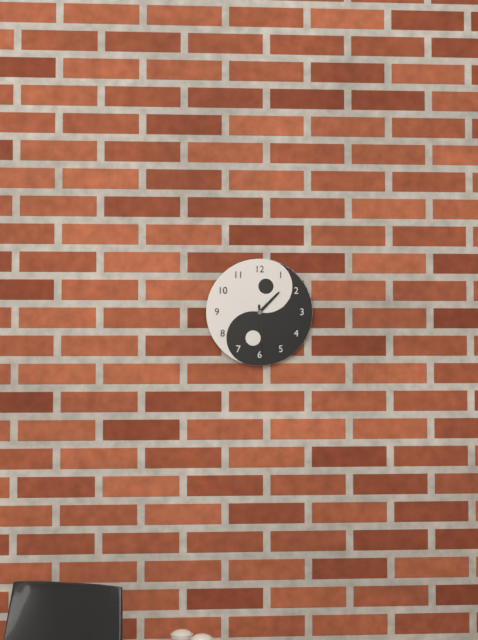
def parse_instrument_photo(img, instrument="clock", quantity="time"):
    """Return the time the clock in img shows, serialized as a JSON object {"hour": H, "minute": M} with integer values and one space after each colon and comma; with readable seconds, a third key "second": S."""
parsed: {"hour": 1, "minute": 29}
